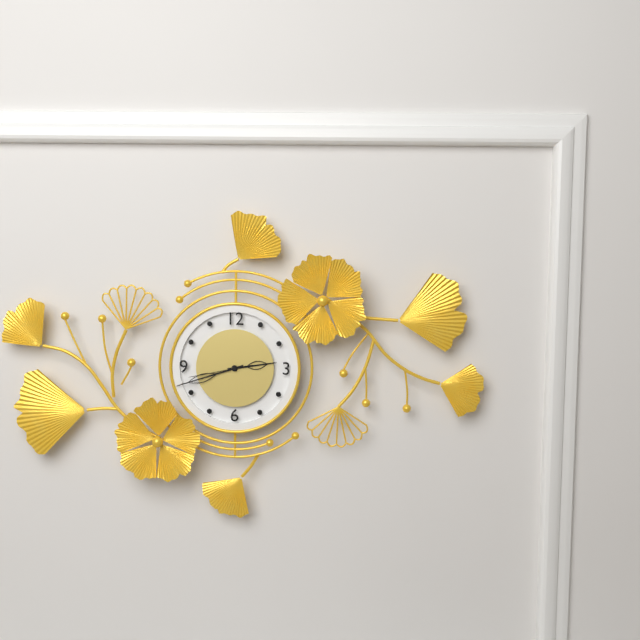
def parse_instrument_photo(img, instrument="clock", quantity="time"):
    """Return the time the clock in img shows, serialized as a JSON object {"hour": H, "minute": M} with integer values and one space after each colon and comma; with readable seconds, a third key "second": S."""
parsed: {"hour": 2, "minute": 42, "second": 43}
